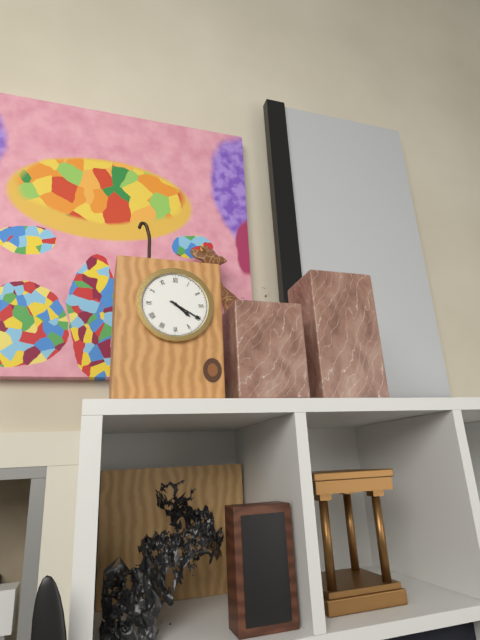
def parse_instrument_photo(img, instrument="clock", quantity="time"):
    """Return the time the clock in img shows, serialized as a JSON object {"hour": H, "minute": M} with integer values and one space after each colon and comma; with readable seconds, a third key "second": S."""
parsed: {"hour": 4, "minute": 20}
